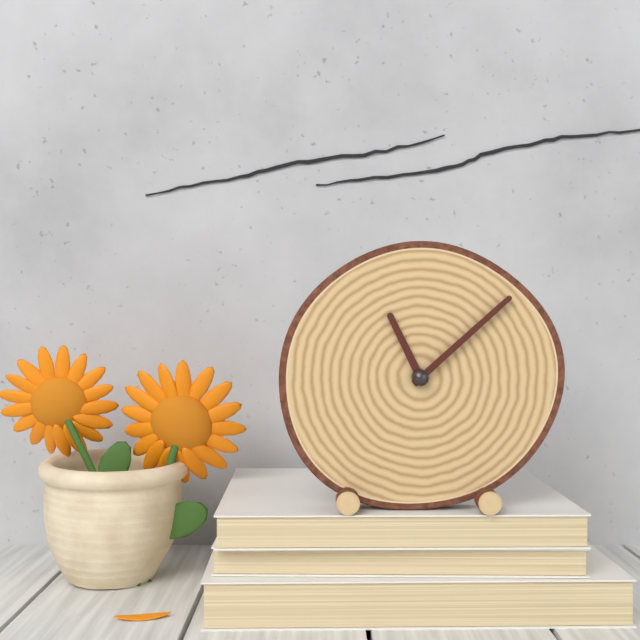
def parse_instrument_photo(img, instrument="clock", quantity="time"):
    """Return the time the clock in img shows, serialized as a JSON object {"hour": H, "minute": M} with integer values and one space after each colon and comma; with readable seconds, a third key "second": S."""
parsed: {"hour": 11, "minute": 8}
